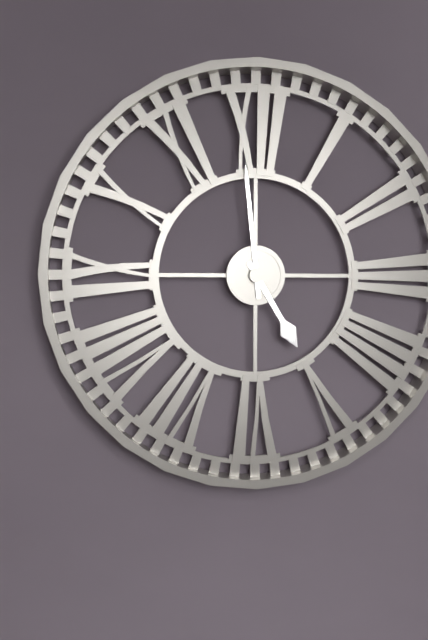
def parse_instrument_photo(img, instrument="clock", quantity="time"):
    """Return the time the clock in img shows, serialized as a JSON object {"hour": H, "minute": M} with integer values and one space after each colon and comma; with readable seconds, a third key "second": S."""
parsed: {"hour": 4, "minute": 59}
